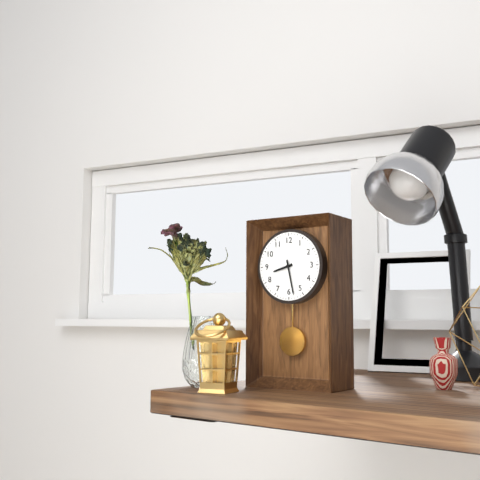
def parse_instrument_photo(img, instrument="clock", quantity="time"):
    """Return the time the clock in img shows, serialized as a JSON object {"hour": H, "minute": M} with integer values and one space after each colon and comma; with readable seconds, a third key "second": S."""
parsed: {"hour": 8, "minute": 28}
